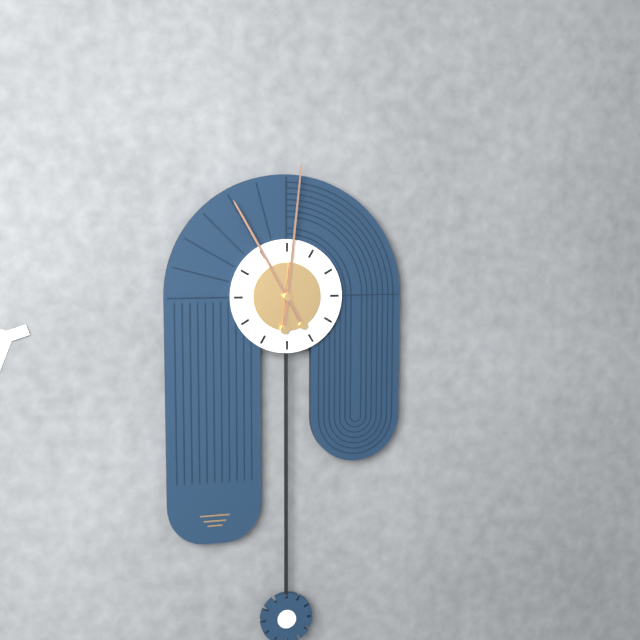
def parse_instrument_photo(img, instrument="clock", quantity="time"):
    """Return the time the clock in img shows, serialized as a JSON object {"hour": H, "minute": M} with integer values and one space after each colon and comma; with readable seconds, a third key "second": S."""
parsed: {"hour": 11, "minute": 1}
